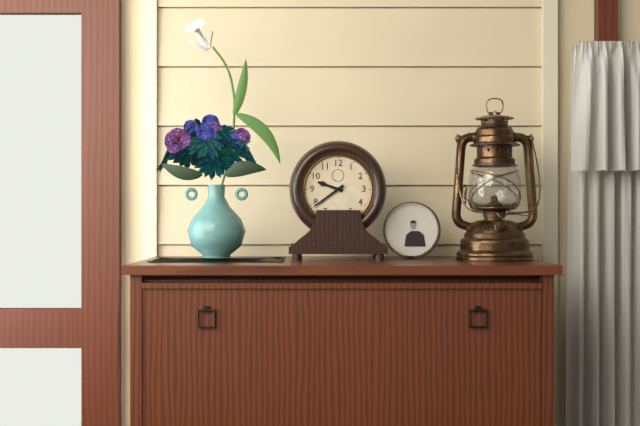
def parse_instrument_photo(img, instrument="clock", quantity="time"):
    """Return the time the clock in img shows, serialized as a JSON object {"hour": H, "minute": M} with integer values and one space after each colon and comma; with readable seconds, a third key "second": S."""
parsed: {"hour": 9, "minute": 39}
